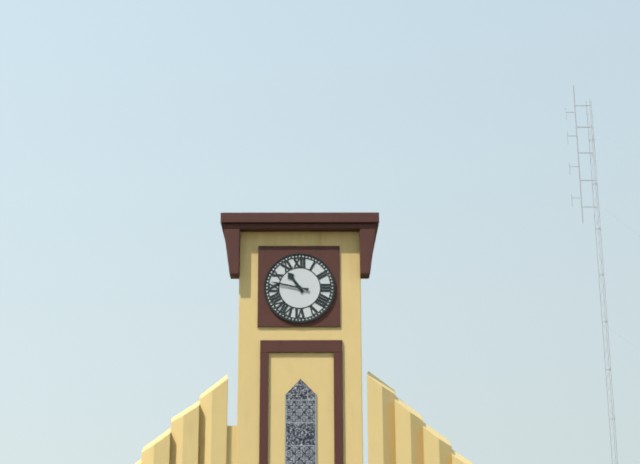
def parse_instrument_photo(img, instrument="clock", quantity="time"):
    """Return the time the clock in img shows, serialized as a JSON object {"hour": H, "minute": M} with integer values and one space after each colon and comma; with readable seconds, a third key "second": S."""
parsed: {"hour": 10, "minute": 47}
